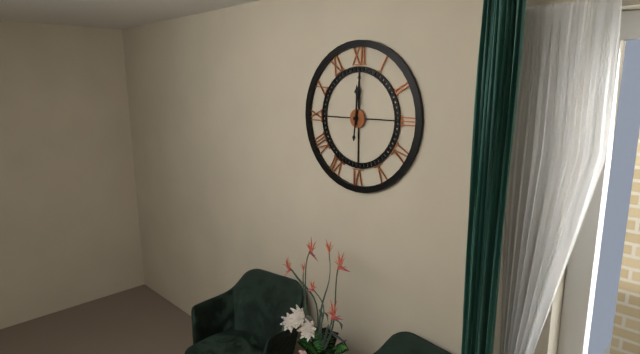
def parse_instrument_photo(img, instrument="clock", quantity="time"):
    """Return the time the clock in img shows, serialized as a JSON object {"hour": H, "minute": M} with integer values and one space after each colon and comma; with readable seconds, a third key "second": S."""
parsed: {"hour": 12, "minute": 1}
